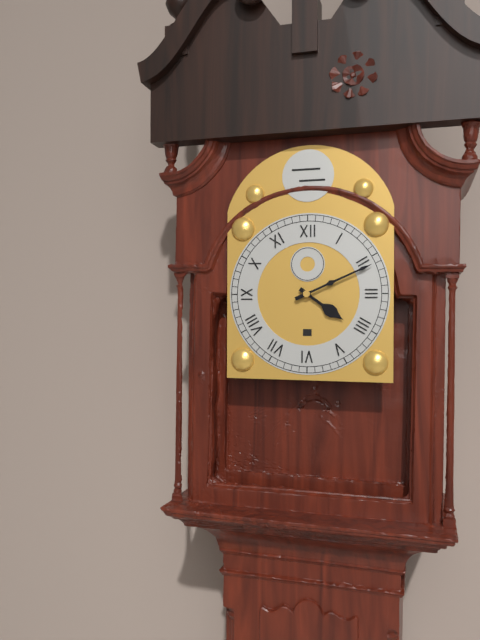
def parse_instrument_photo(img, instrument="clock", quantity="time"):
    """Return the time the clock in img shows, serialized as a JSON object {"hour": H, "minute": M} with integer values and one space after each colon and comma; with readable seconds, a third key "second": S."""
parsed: {"hour": 4, "minute": 11}
